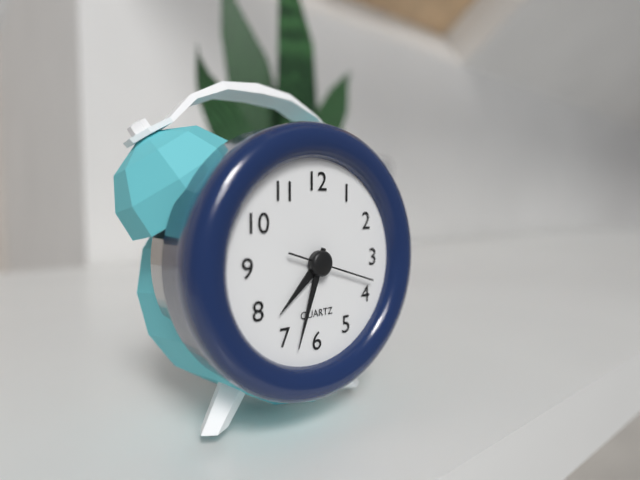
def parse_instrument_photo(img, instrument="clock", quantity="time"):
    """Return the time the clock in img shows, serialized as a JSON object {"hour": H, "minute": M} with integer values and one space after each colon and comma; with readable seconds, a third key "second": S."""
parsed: {"hour": 7, "minute": 33, "second": 18}
